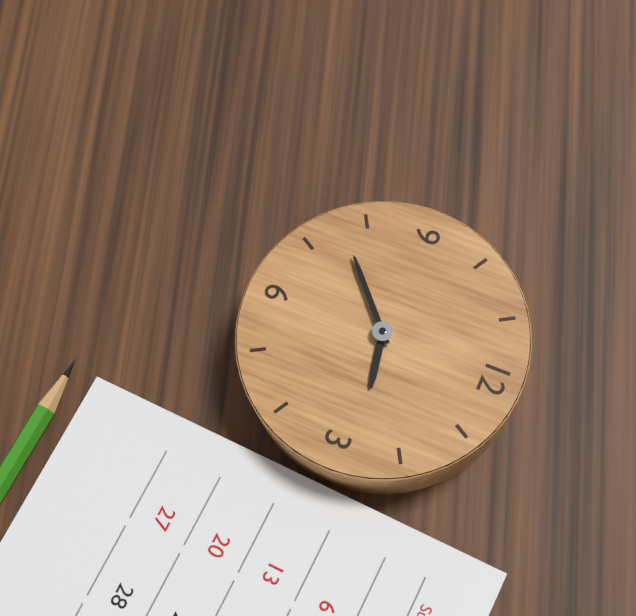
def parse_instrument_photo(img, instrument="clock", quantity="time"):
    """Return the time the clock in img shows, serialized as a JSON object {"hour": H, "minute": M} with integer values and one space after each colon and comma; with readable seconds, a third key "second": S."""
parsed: {"hour": 2, "minute": 38}
